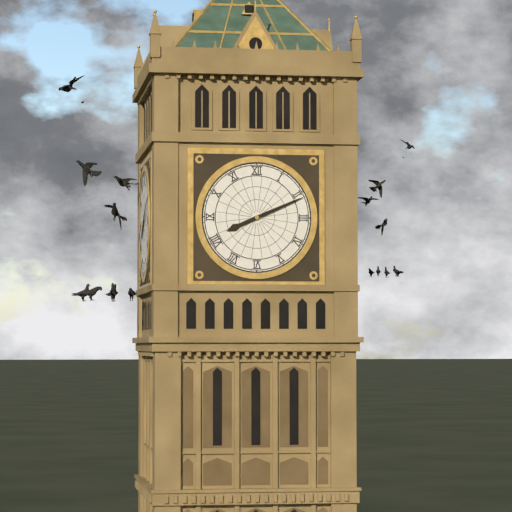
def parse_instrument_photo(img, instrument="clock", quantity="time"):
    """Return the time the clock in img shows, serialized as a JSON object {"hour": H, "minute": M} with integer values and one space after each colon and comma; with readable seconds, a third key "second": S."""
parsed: {"hour": 8, "minute": 11}
